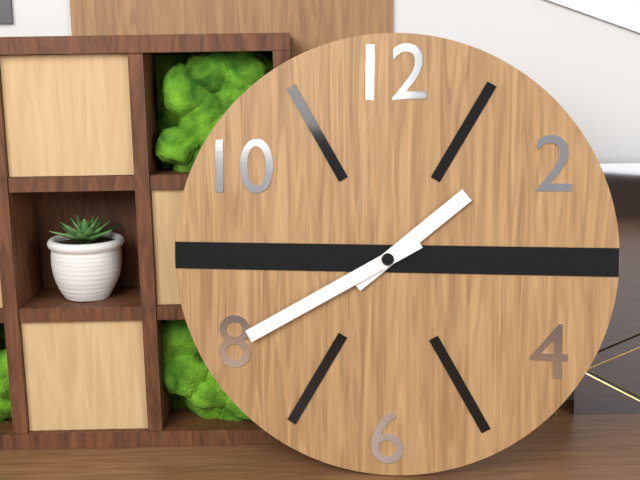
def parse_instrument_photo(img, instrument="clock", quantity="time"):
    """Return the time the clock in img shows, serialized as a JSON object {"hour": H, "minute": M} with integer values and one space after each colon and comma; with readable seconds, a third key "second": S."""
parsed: {"hour": 1, "minute": 40}
